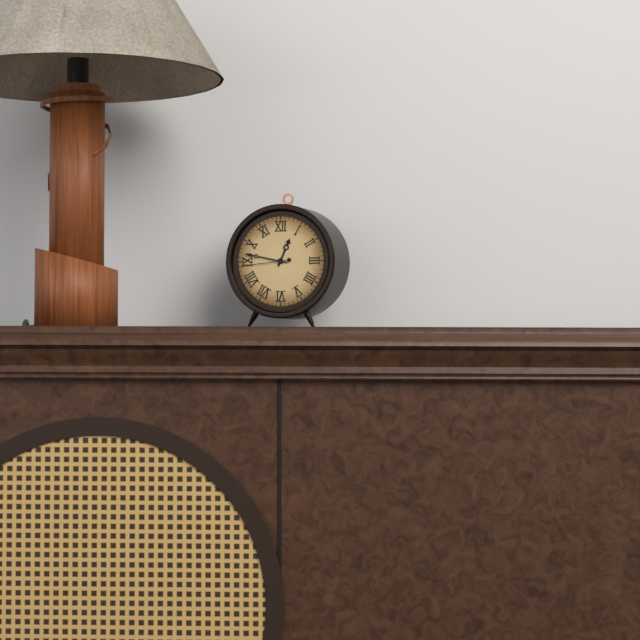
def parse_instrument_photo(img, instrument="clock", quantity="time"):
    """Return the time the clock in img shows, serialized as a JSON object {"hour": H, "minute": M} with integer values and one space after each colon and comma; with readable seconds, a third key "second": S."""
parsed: {"hour": 12, "minute": 47}
